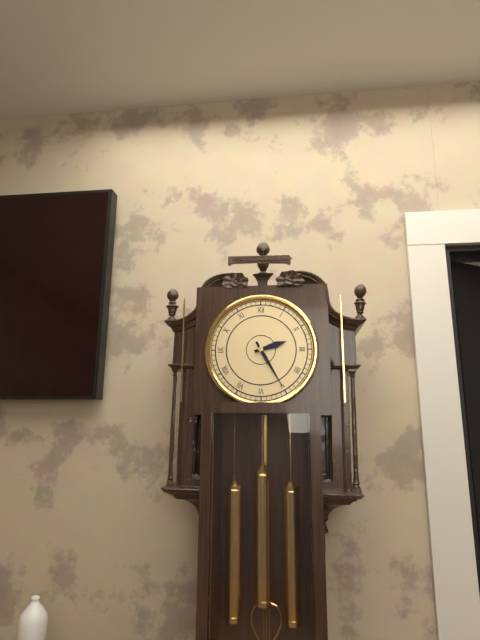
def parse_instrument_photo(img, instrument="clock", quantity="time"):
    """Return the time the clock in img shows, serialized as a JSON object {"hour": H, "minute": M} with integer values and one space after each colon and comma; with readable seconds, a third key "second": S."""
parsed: {"hour": 2, "minute": 25}
